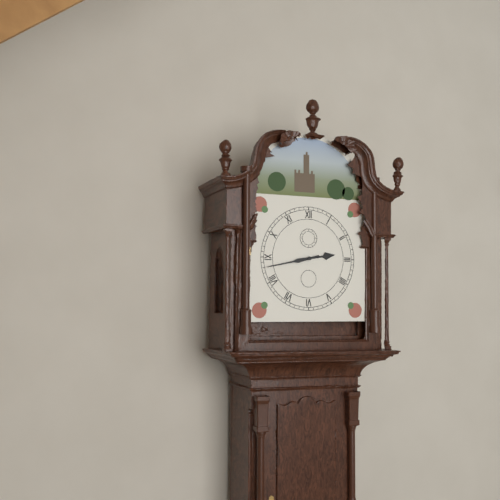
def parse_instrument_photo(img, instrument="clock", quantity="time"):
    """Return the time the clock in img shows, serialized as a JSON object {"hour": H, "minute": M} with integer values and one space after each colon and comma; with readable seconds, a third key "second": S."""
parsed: {"hour": 2, "minute": 43}
